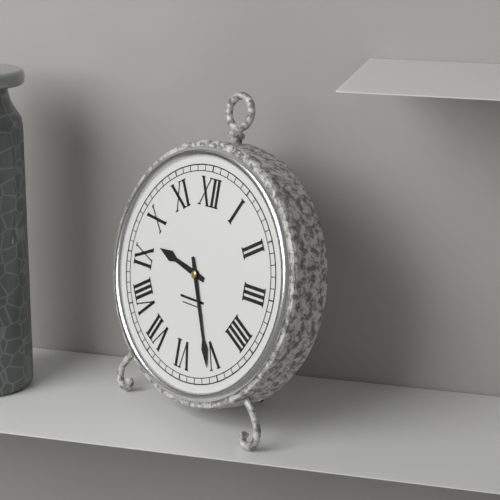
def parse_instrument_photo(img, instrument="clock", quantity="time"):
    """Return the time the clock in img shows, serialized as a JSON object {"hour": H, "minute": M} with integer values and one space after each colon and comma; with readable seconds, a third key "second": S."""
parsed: {"hour": 9, "minute": 26}
